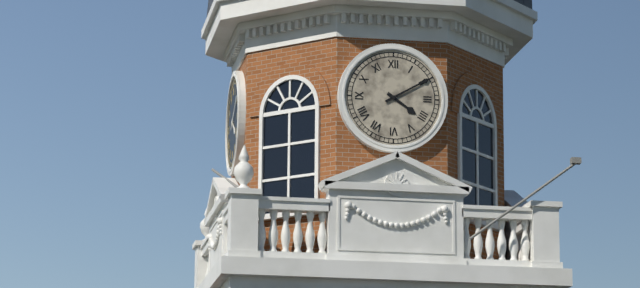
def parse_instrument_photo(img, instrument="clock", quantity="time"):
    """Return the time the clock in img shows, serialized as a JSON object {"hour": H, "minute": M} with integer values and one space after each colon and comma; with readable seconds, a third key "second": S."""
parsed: {"hour": 4, "minute": 10}
